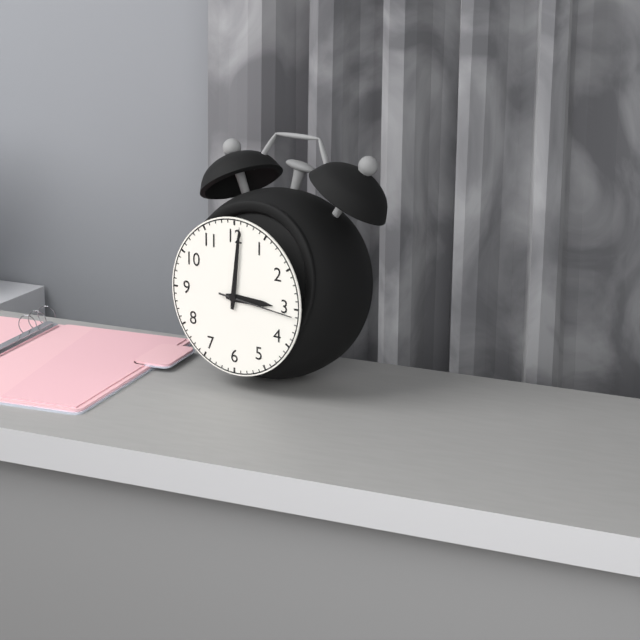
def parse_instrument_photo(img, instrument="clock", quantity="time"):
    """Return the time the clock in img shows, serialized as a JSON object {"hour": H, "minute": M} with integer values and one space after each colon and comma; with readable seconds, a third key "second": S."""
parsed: {"hour": 3, "minute": 1, "second": 16}
